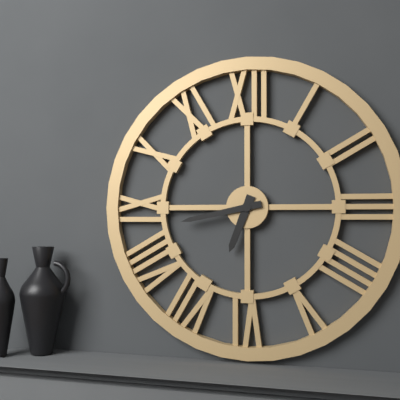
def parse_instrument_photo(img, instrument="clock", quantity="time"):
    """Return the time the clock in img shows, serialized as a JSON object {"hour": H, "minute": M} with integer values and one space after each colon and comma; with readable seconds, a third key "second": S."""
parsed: {"hour": 6, "minute": 43}
